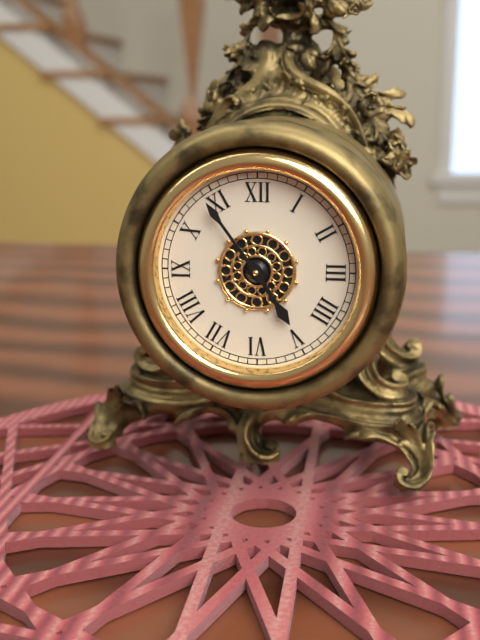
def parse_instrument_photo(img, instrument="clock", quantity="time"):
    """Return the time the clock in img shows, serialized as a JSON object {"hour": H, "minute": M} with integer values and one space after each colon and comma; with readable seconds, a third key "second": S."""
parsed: {"hour": 4, "minute": 54}
